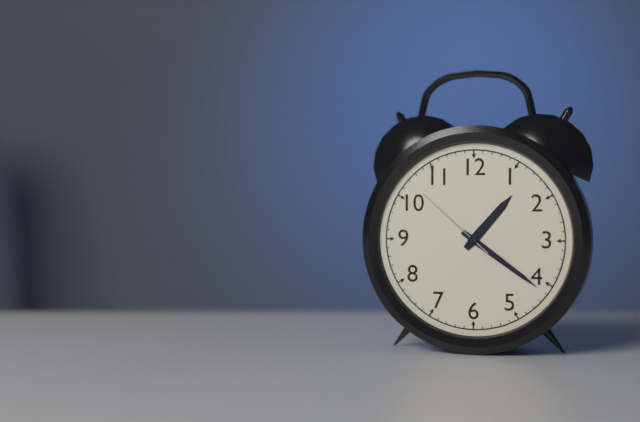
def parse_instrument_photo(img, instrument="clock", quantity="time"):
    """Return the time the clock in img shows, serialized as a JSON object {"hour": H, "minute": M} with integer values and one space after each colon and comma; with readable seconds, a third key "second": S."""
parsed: {"hour": 1, "minute": 21, "second": 52}
